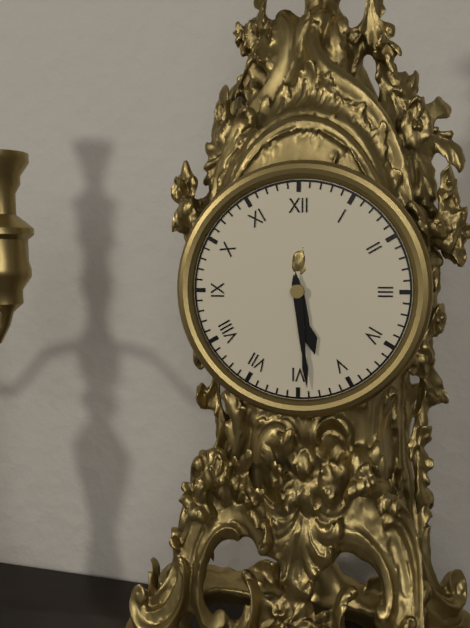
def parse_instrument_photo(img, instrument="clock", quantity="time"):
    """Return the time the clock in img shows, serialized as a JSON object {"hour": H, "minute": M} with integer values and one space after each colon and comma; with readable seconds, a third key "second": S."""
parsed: {"hour": 5, "minute": 29}
